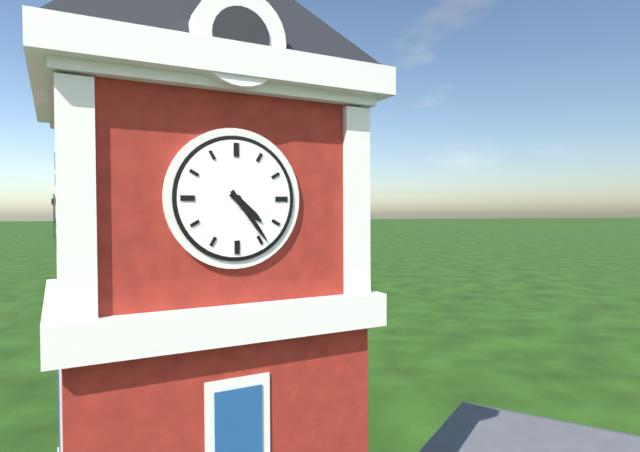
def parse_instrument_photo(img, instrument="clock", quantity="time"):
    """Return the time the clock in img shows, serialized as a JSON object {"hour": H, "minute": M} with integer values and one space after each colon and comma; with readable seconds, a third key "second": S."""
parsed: {"hour": 4, "minute": 24}
